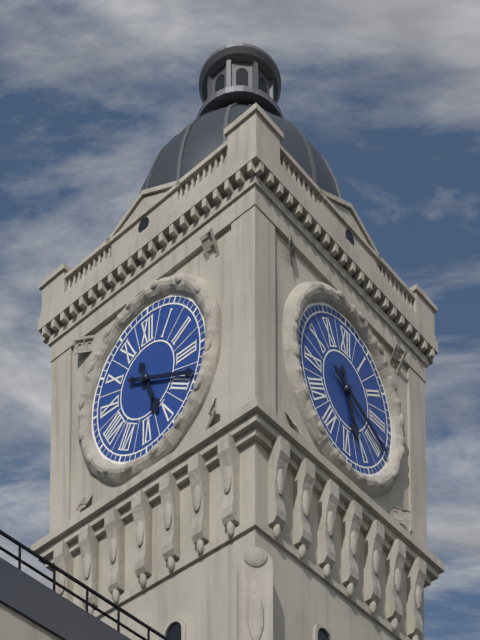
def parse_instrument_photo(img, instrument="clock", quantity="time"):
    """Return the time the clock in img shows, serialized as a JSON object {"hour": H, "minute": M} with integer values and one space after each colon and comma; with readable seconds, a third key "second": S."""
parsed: {"hour": 5, "minute": 19}
